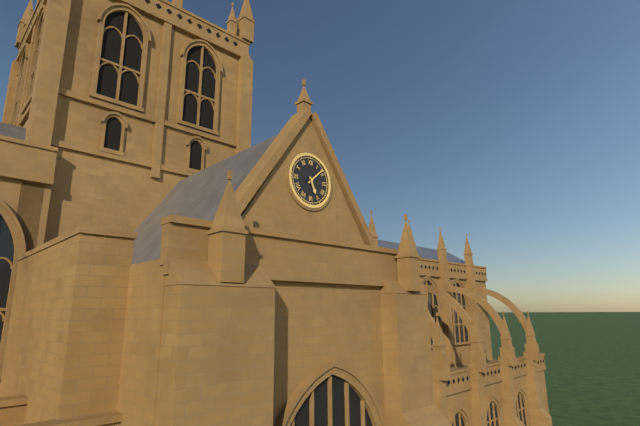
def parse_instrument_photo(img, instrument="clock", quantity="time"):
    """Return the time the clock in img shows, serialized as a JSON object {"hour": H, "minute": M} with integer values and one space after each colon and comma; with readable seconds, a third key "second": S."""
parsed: {"hour": 5, "minute": 8}
